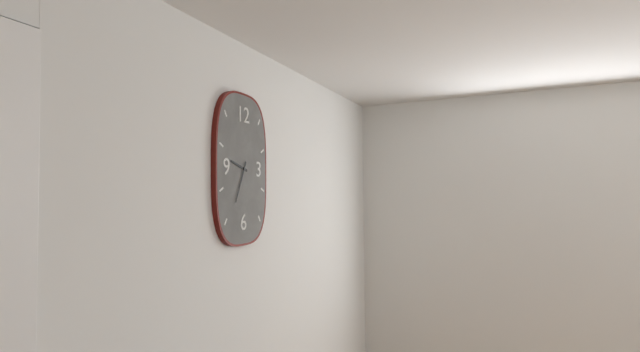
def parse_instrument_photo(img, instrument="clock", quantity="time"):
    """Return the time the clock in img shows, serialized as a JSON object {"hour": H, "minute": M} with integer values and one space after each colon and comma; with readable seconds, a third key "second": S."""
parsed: {"hour": 9, "minute": 34}
